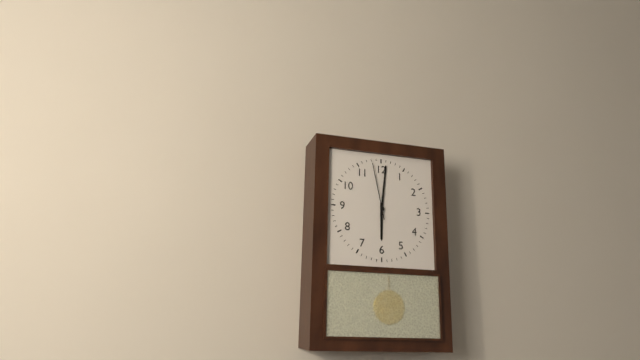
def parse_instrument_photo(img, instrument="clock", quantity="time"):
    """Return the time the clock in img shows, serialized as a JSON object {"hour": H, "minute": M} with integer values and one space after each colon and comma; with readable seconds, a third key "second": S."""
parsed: {"hour": 6, "minute": 1, "second": 58}
